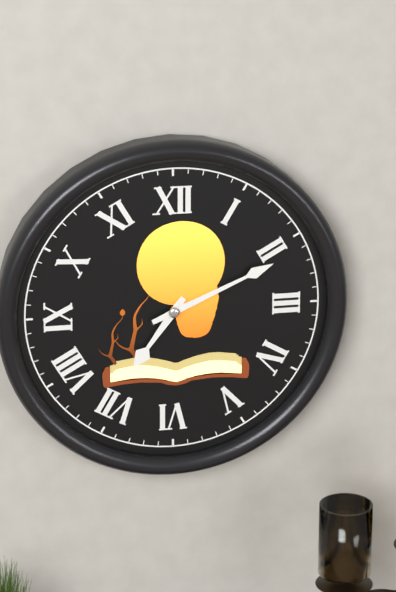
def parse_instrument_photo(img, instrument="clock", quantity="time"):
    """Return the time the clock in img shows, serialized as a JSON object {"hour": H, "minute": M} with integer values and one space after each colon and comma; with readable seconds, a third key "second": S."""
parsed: {"hour": 7, "minute": 11}
